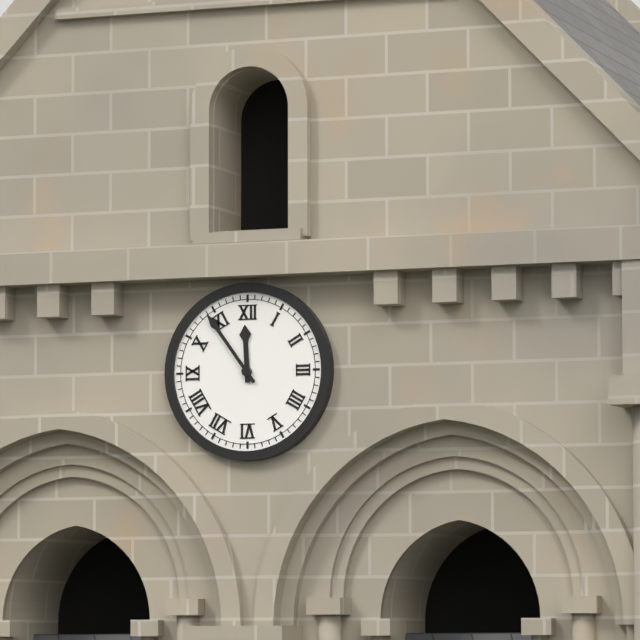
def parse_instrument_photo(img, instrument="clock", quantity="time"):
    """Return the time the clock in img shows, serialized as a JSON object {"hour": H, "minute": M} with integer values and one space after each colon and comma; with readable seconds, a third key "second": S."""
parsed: {"hour": 11, "minute": 54}
